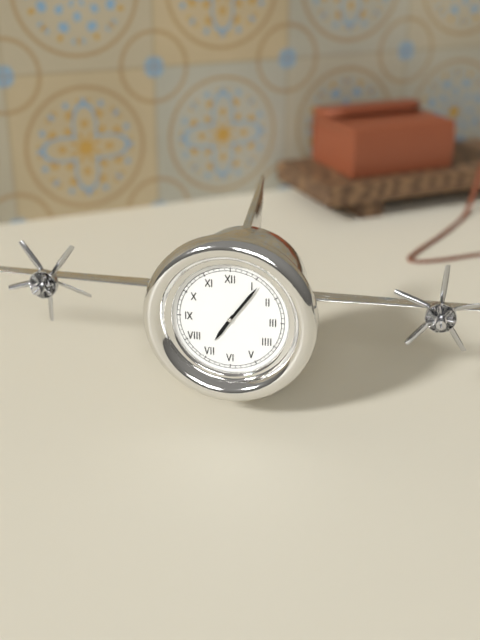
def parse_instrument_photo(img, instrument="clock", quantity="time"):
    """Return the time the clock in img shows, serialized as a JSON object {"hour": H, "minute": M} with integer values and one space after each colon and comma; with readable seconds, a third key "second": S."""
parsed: {"hour": 7, "minute": 6}
